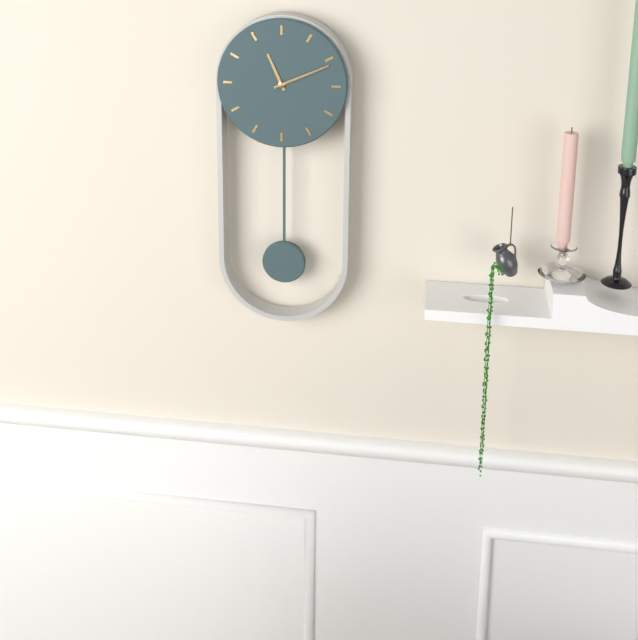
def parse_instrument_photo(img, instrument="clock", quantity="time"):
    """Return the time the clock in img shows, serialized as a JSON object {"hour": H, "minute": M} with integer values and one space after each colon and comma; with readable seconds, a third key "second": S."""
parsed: {"hour": 11, "minute": 11}
